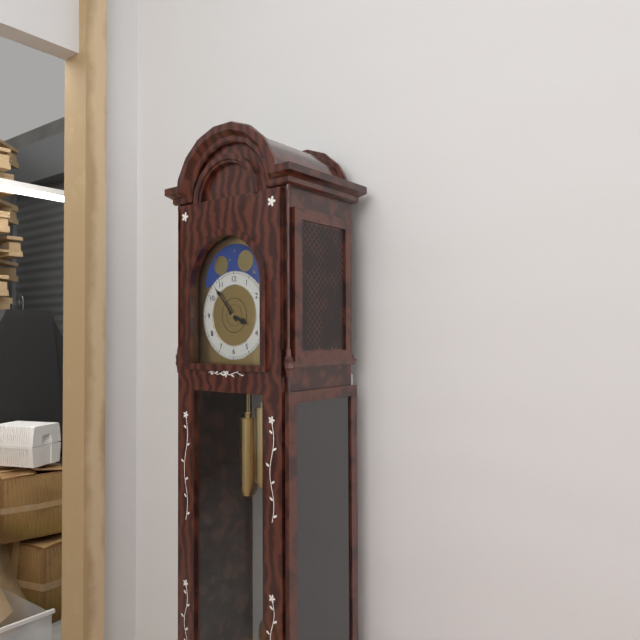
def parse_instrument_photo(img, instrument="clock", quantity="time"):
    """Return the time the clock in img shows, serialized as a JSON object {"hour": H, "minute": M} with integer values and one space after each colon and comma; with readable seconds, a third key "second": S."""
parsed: {"hour": 3, "minute": 53}
